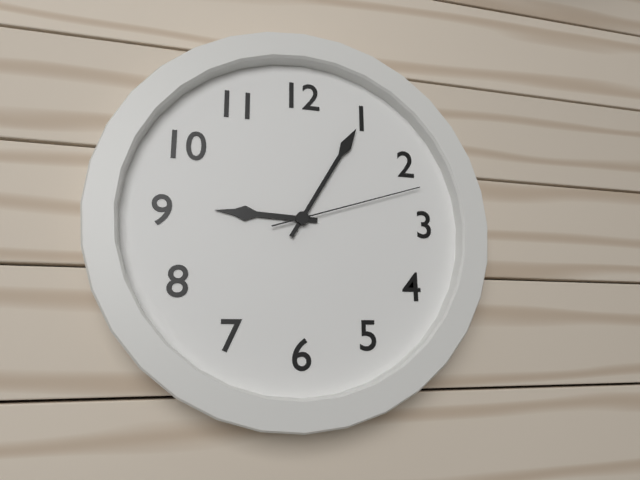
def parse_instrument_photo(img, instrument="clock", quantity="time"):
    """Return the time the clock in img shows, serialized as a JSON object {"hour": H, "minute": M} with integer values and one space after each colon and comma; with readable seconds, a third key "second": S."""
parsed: {"hour": 9, "minute": 5, "second": 12}
